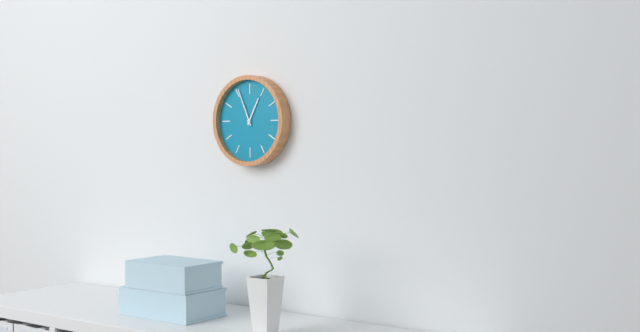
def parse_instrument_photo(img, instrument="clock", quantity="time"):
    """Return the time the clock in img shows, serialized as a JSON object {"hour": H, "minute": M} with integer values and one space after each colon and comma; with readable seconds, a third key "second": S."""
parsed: {"hour": 12, "minute": 56}
